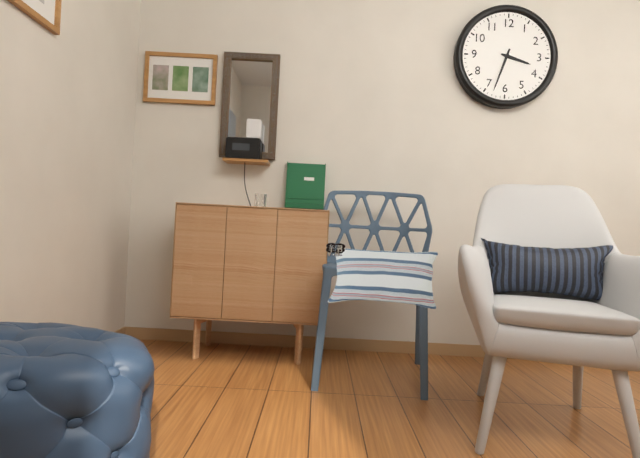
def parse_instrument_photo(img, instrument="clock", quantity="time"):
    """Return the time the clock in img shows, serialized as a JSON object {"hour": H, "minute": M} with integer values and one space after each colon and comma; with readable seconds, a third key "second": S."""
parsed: {"hour": 3, "minute": 33}
